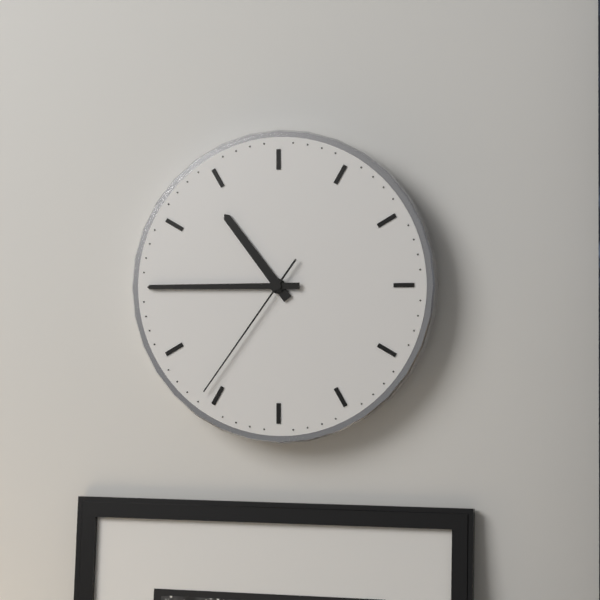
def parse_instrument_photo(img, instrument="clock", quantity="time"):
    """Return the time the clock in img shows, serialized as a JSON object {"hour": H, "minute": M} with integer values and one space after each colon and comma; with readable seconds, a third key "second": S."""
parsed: {"hour": 10, "minute": 45, "second": 36}
